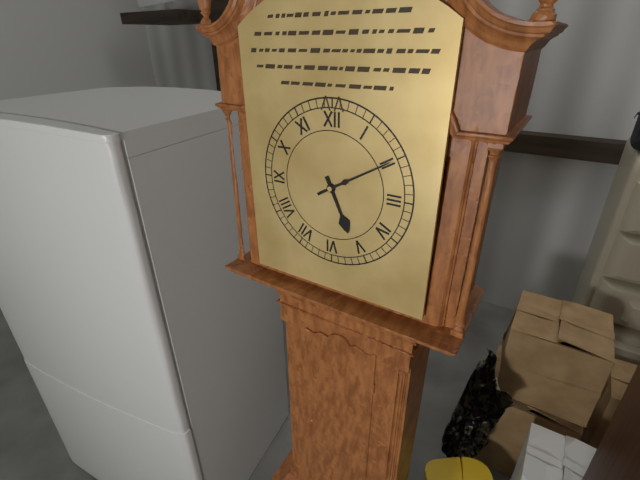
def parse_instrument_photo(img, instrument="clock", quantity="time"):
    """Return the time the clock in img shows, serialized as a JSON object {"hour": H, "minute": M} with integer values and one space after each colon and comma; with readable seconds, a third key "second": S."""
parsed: {"hour": 5, "minute": 10}
